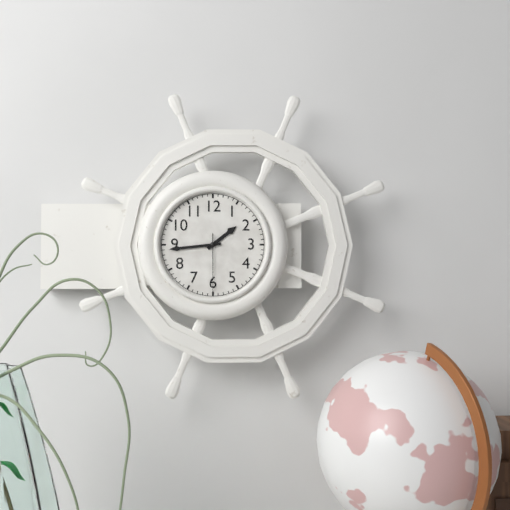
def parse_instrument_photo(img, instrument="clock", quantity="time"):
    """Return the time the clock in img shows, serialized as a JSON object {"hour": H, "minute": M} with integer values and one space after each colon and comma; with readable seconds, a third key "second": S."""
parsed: {"hour": 1, "minute": 44, "second": 30}
